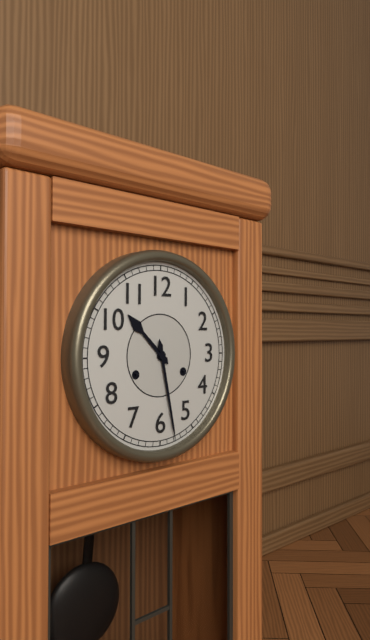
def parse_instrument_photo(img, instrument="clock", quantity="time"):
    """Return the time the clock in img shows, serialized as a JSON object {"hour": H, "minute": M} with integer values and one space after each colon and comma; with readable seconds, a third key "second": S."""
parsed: {"hour": 10, "minute": 28}
